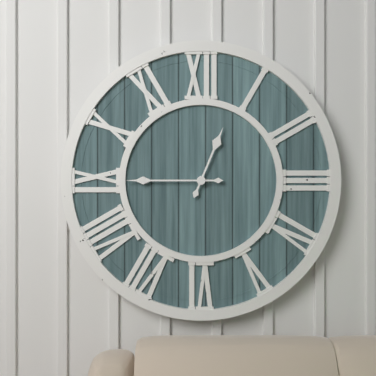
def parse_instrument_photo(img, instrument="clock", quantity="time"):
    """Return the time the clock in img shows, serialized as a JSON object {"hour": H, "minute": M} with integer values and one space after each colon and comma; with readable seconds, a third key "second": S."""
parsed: {"hour": 12, "minute": 45}
